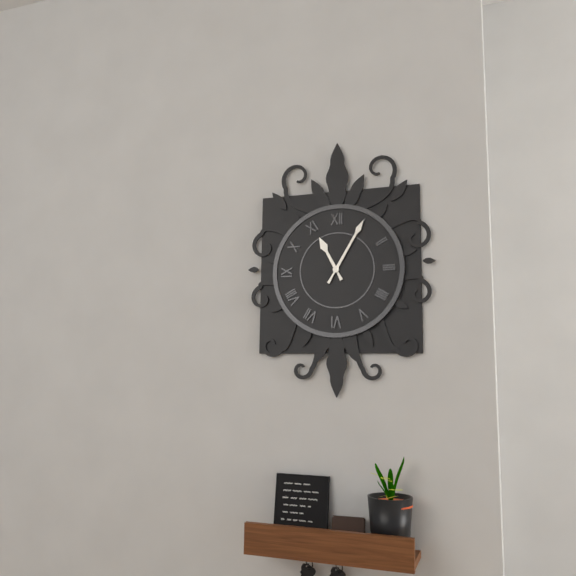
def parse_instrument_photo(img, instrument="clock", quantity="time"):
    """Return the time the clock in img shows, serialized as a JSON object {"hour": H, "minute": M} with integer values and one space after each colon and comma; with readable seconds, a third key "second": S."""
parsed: {"hour": 11, "minute": 5}
